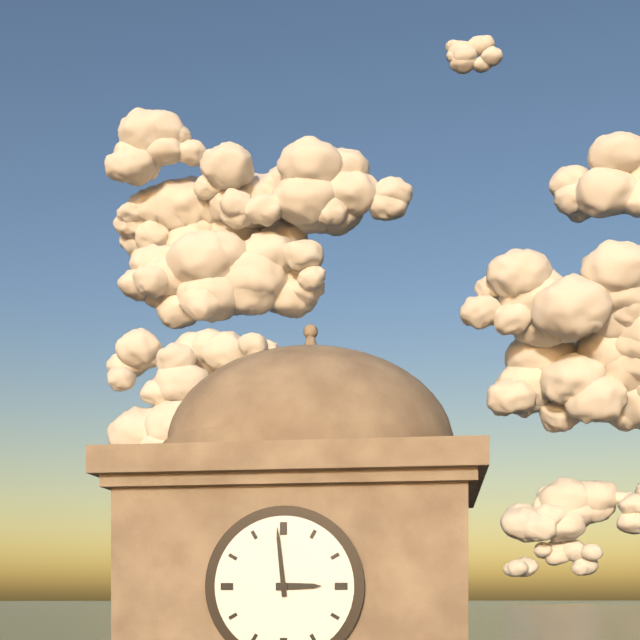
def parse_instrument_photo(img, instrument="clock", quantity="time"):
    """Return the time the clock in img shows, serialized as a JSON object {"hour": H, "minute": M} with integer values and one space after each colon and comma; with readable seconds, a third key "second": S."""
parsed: {"hour": 2, "minute": 59}
